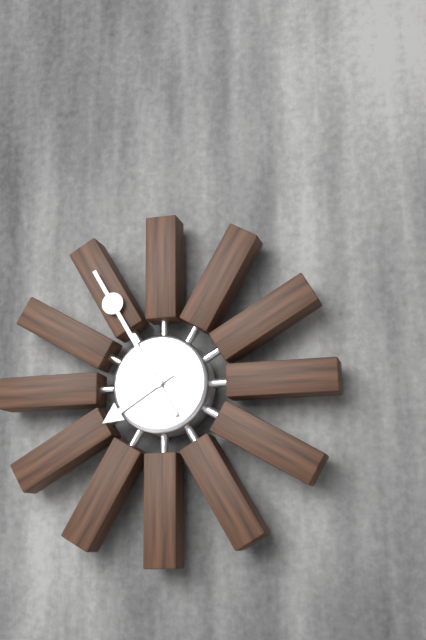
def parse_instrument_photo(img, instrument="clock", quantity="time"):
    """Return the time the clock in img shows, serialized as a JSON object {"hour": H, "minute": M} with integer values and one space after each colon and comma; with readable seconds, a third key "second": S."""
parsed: {"hour": 7, "minute": 55}
